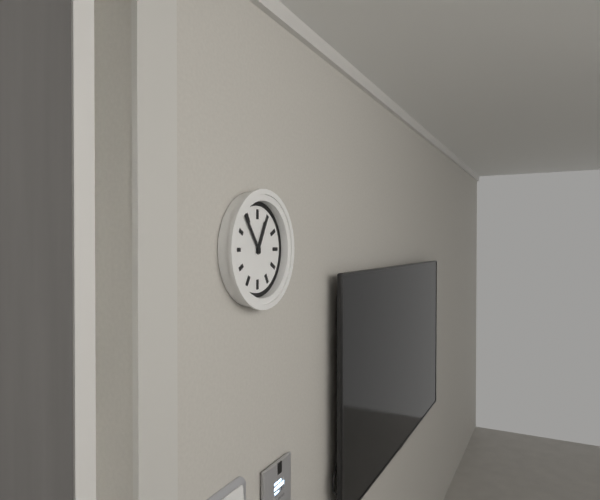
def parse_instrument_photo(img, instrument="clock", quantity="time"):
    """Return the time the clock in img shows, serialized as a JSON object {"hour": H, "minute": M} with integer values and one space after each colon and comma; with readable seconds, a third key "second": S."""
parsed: {"hour": 12, "minute": 54}
